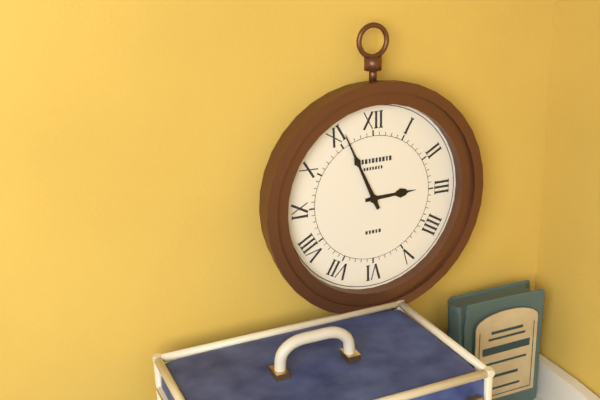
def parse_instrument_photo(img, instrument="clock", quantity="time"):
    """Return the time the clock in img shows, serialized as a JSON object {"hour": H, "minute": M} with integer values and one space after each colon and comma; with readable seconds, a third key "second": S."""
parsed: {"hour": 2, "minute": 56}
